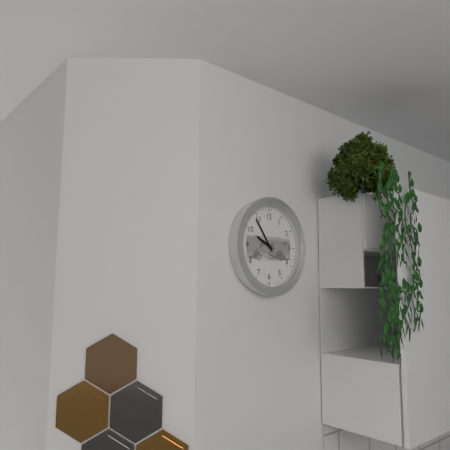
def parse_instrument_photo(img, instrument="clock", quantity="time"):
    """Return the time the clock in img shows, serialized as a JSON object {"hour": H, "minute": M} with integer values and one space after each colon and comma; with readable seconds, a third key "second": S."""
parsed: {"hour": 9, "minute": 54}
